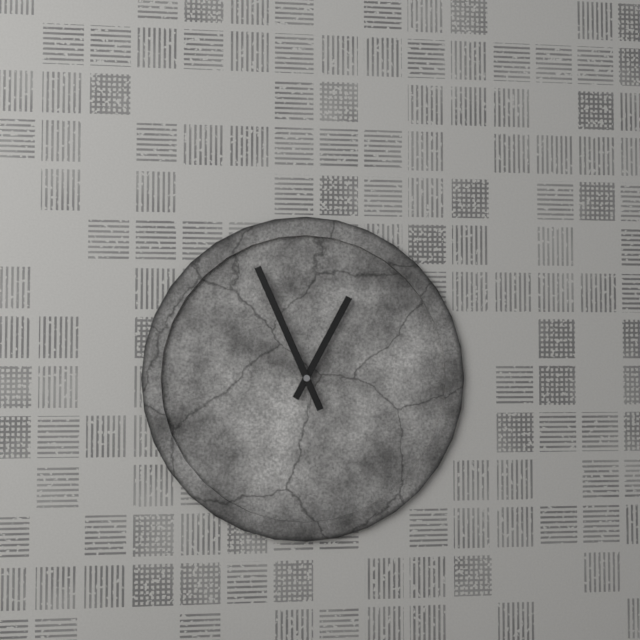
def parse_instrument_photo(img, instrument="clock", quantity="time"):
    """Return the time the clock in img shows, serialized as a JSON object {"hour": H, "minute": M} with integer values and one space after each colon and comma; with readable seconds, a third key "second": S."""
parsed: {"hour": 12, "minute": 56}
